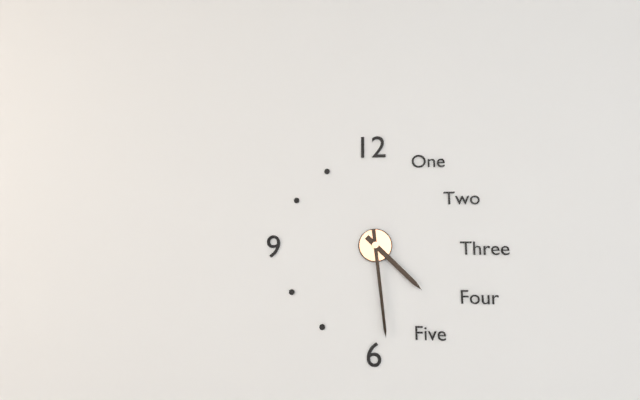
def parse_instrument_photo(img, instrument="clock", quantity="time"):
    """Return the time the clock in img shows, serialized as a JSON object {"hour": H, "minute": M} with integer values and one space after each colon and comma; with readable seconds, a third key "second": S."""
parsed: {"hour": 4, "minute": 29}
